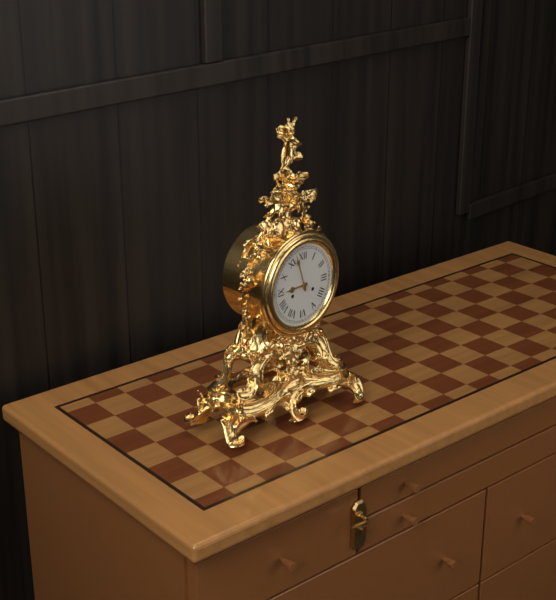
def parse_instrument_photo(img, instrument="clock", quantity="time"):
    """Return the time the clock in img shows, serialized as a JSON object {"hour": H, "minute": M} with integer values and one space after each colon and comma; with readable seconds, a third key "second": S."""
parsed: {"hour": 8, "minute": 57}
